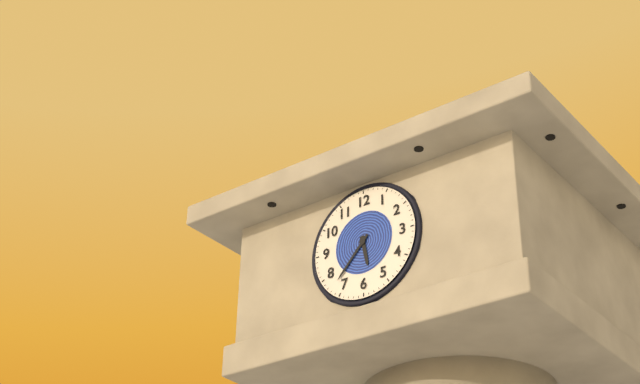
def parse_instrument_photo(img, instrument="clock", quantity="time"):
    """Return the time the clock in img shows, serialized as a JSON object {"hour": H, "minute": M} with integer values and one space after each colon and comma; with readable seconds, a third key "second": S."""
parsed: {"hour": 5, "minute": 37}
